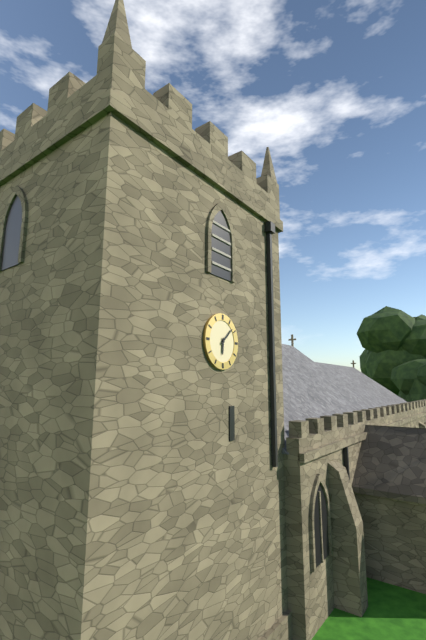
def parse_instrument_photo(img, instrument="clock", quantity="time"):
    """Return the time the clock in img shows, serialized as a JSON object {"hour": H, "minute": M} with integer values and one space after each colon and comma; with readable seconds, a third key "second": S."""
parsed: {"hour": 6, "minute": 8}
